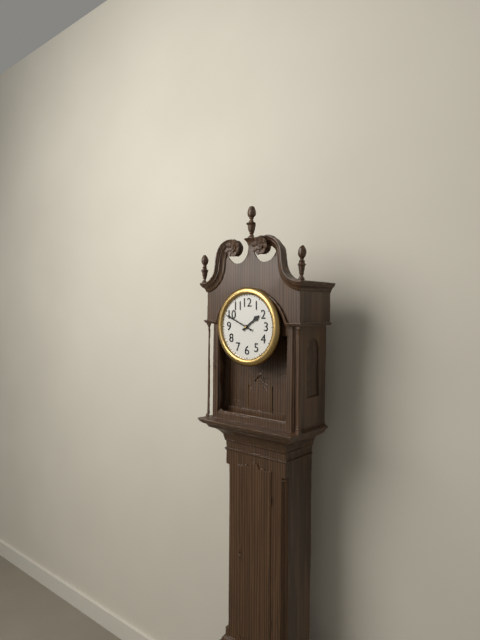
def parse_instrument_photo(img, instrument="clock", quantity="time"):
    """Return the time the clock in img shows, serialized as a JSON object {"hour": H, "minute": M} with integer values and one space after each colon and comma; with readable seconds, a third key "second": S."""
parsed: {"hour": 1, "minute": 49}
